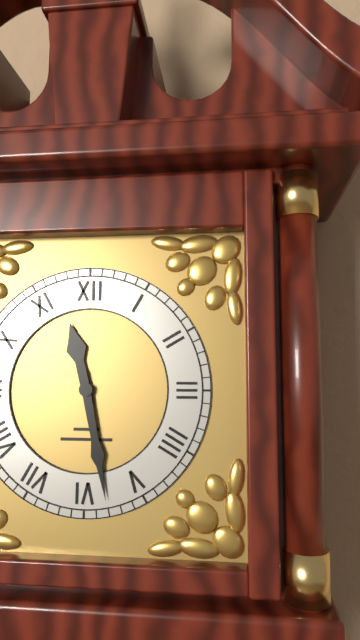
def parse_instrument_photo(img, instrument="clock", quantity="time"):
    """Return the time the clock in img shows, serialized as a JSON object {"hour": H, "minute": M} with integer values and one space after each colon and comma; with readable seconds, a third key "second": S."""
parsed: {"hour": 11, "minute": 28}
